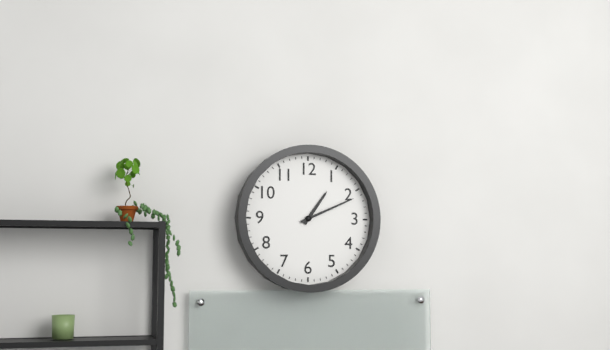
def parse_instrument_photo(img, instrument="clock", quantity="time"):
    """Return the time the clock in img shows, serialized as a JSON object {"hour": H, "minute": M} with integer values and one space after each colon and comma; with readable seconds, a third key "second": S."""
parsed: {"hour": 1, "minute": 11}
